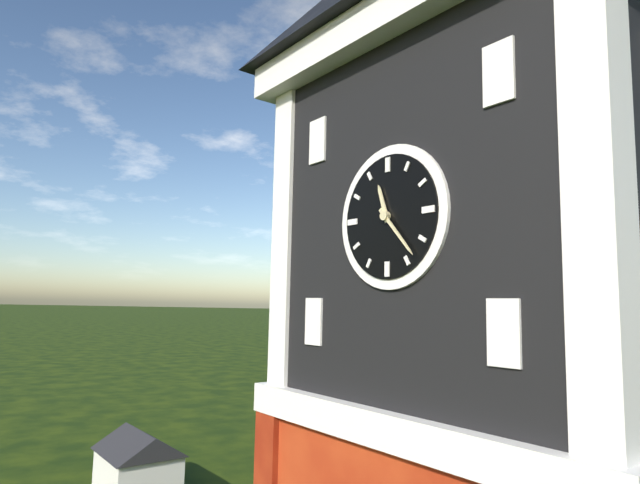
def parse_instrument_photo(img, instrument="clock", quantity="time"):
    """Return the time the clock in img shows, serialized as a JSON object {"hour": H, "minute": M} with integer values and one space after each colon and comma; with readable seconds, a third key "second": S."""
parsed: {"hour": 11, "minute": 23}
